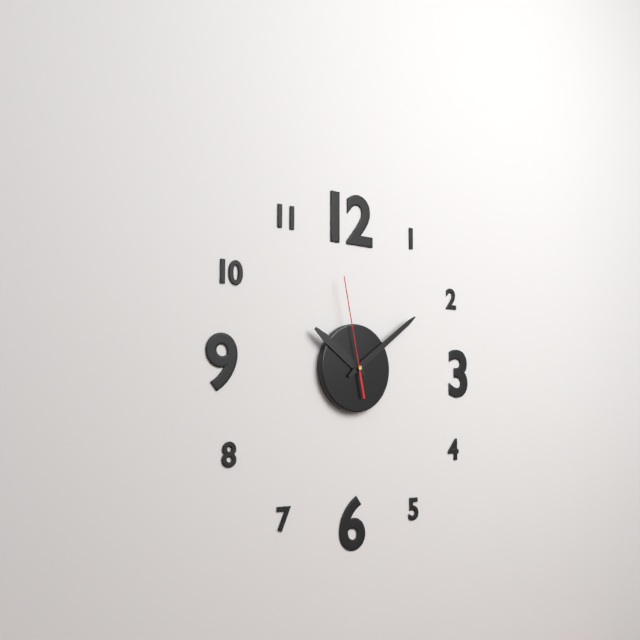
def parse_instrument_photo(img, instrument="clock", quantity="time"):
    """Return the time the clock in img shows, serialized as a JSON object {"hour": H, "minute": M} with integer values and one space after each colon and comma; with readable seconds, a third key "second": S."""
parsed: {"hour": 10, "minute": 9, "second": 58}
